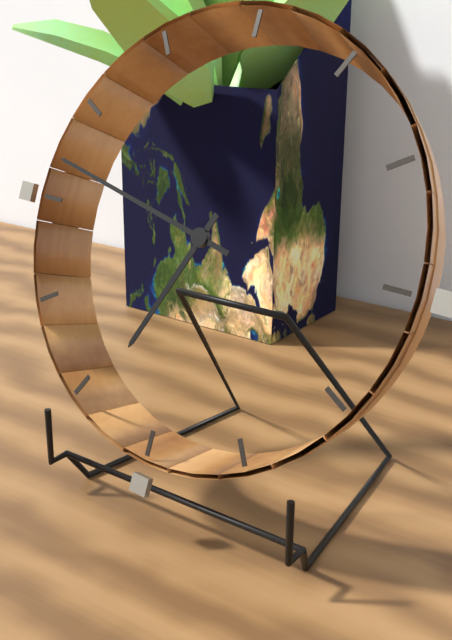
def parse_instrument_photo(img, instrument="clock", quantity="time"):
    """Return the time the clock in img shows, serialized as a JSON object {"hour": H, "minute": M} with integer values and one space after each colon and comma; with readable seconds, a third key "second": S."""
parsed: {"hour": 6, "minute": 47}
